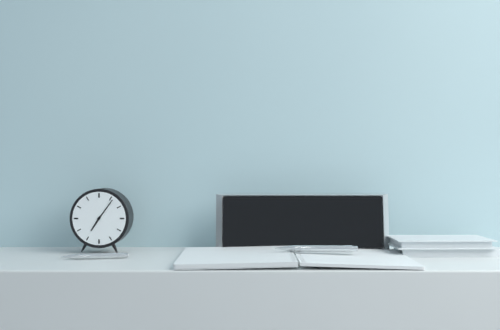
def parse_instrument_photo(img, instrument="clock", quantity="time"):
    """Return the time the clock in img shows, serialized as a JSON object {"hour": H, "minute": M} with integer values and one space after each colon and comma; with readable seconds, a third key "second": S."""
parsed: {"hour": 7, "minute": 6}
